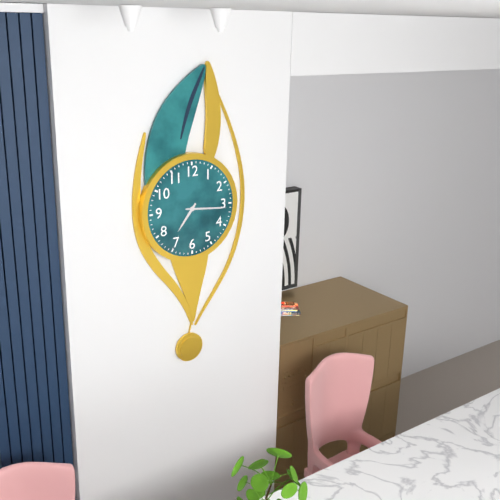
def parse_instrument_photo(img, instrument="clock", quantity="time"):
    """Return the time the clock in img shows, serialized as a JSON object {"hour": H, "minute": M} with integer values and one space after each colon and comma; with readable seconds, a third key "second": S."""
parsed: {"hour": 7, "minute": 16}
